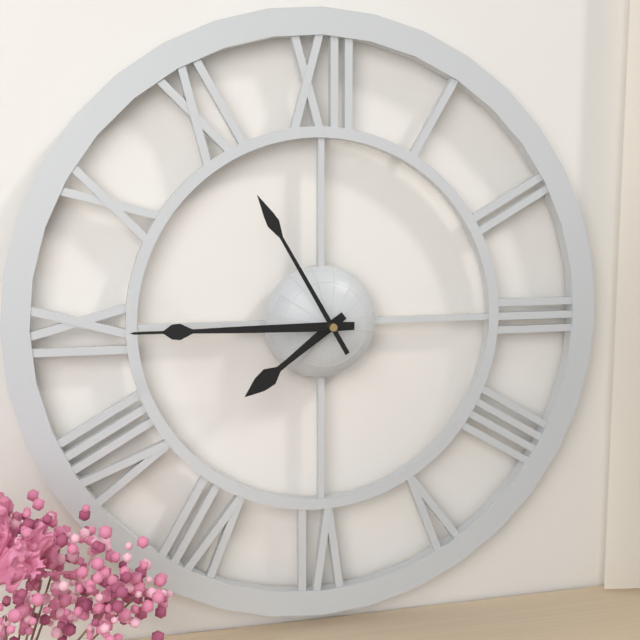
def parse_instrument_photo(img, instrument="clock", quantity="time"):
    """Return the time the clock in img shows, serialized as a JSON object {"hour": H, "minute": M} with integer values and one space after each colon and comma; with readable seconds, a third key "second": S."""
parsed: {"hour": 7, "minute": 45, "second": 55}
